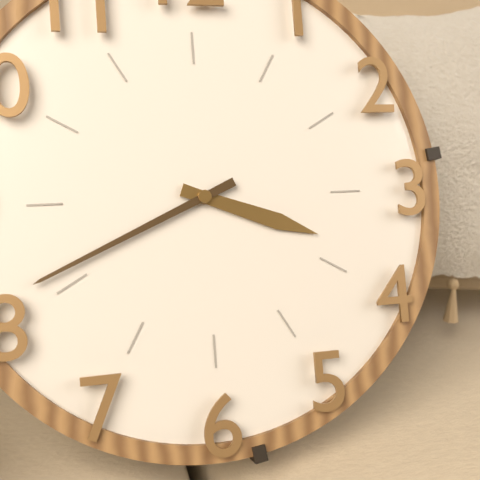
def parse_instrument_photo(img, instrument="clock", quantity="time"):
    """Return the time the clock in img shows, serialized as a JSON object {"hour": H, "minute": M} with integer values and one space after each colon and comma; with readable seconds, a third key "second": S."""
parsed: {"hour": 3, "minute": 41}
